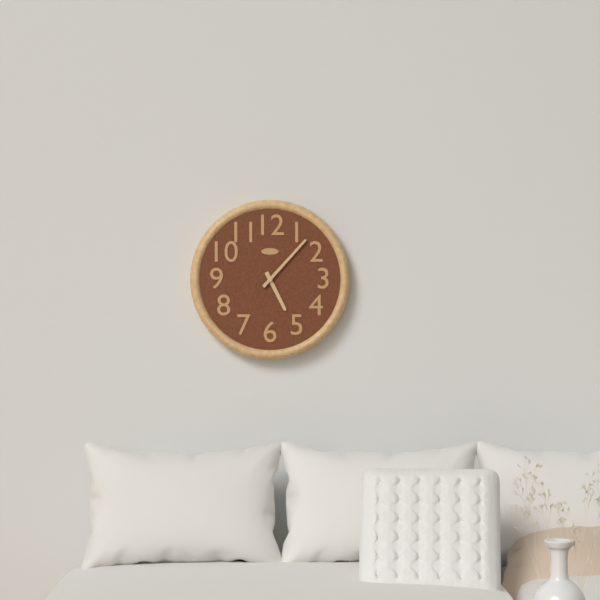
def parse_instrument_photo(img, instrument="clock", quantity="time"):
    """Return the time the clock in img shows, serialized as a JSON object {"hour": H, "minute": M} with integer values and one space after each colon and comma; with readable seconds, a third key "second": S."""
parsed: {"hour": 5, "minute": 7}
